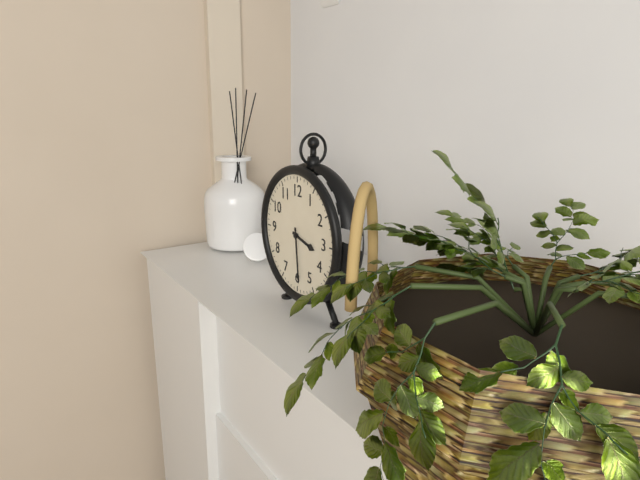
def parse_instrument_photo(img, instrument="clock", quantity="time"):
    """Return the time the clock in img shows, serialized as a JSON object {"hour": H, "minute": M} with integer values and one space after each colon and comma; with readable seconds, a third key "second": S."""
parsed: {"hour": 3, "minute": 29}
